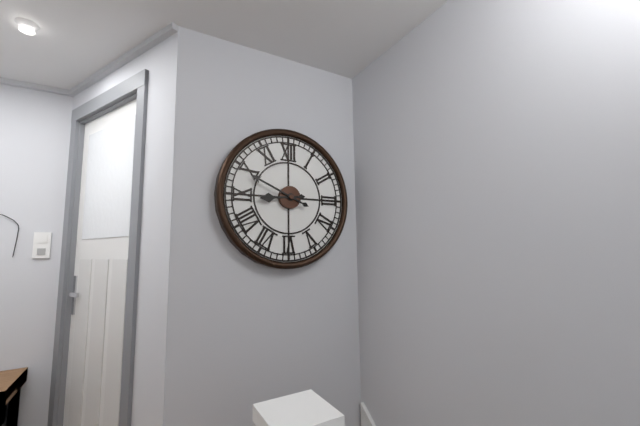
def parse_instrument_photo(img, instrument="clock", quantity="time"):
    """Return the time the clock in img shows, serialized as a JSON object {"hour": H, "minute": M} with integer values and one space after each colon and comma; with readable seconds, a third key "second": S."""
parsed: {"hour": 8, "minute": 49}
